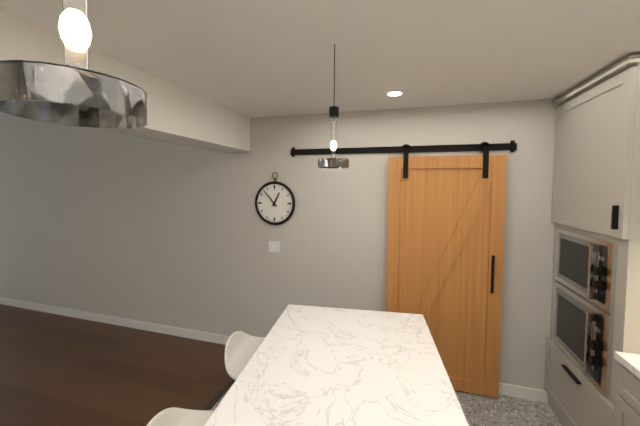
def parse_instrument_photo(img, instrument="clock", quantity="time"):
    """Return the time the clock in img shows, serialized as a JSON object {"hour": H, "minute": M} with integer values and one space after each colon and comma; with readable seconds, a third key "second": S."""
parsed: {"hour": 12, "minute": 53}
